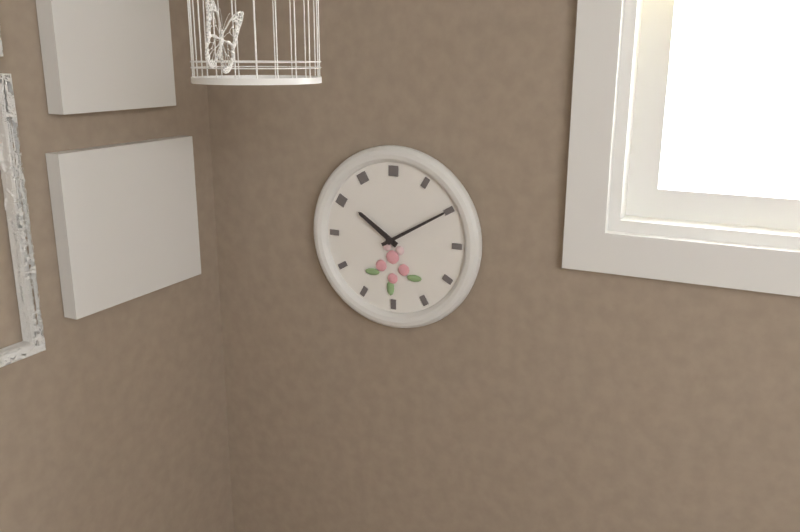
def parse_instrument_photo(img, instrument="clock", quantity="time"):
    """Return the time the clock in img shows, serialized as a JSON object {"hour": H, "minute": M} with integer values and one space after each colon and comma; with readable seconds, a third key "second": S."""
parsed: {"hour": 10, "minute": 10}
